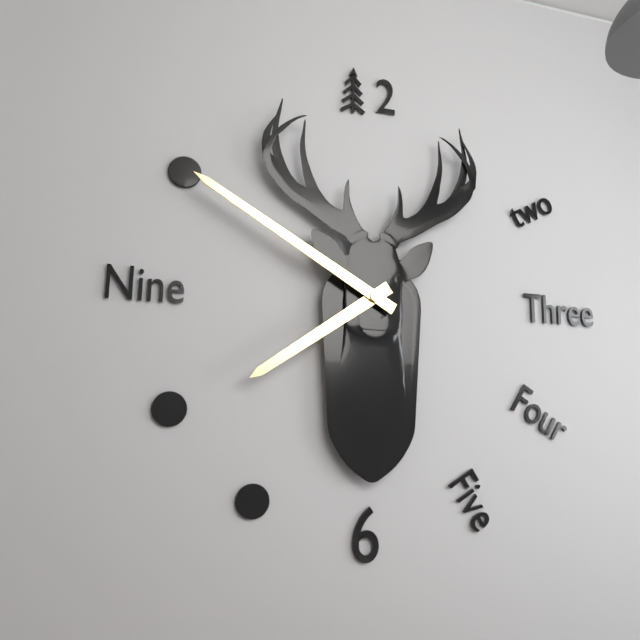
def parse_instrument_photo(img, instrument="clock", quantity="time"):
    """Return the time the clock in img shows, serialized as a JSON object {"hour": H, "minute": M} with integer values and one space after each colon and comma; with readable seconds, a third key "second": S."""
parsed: {"hour": 7, "minute": 50}
